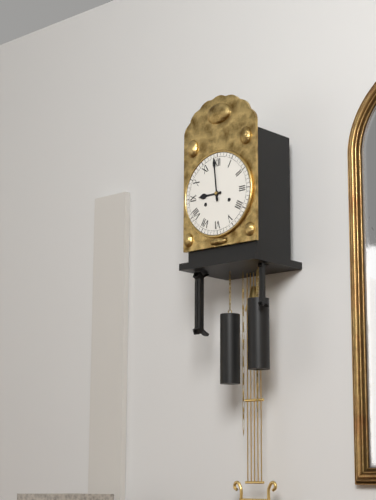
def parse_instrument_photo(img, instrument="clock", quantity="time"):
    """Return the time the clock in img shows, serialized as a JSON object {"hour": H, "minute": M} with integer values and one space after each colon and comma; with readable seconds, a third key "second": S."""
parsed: {"hour": 8, "minute": 59}
